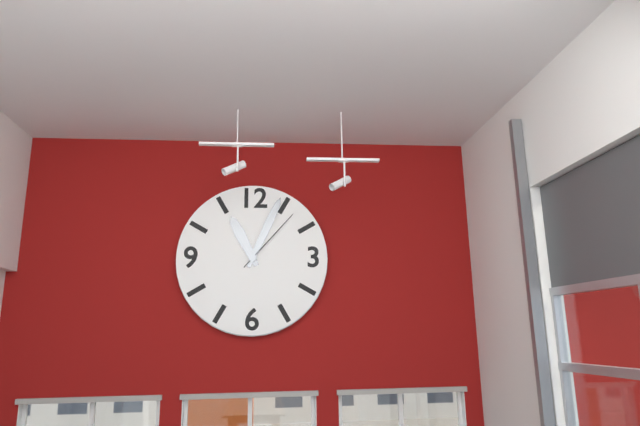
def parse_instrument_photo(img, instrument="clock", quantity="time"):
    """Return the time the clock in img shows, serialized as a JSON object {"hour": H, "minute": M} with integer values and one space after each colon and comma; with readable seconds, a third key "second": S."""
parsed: {"hour": 11, "minute": 4, "second": 7}
